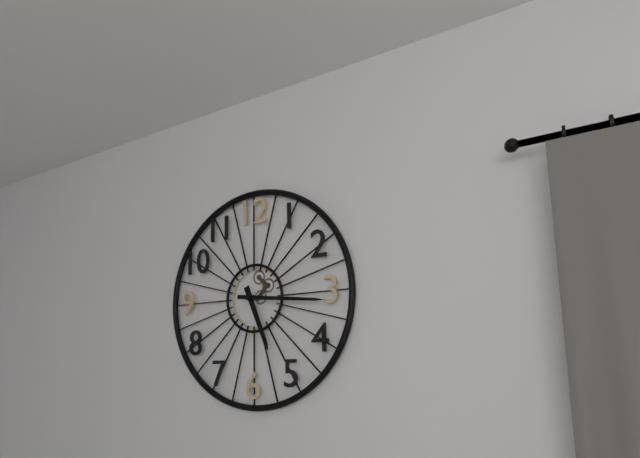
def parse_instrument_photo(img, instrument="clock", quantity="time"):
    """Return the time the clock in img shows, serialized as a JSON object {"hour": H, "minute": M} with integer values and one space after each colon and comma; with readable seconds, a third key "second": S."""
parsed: {"hour": 5, "minute": 16}
